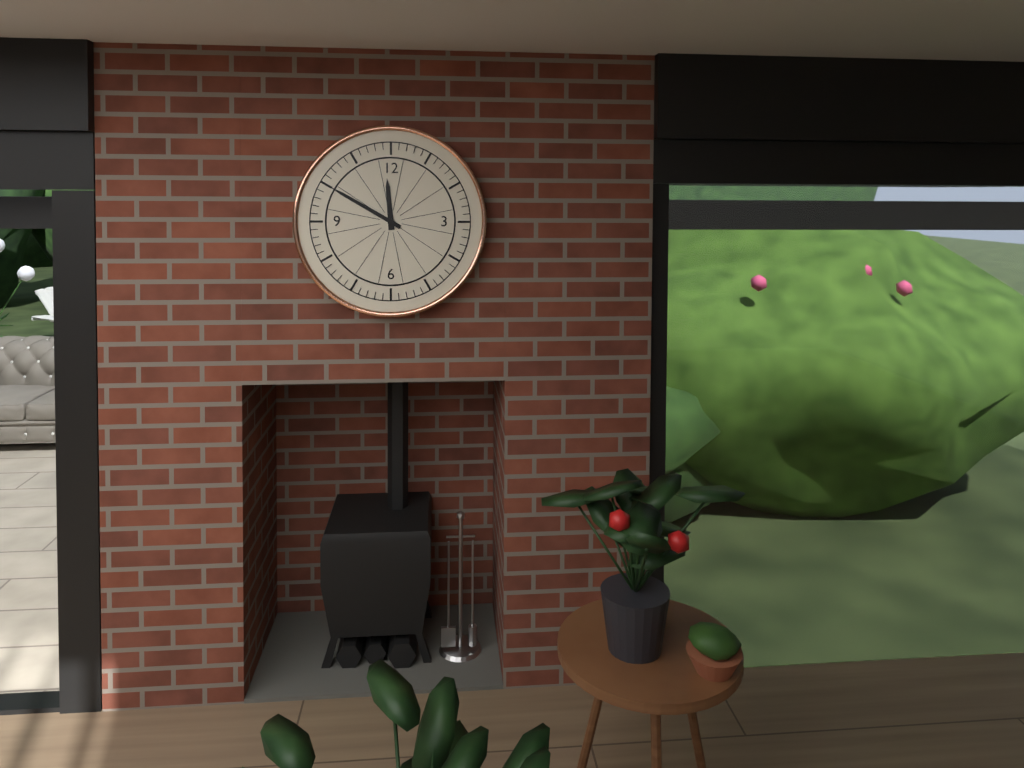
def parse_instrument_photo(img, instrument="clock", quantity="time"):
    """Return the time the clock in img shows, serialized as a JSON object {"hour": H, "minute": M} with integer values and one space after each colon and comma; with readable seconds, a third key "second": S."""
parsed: {"hour": 11, "minute": 50}
